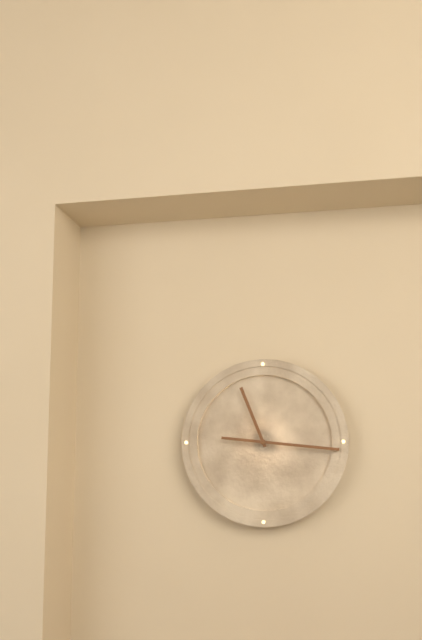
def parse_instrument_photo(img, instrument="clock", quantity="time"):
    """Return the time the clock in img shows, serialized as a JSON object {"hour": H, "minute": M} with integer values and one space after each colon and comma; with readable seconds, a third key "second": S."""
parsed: {"hour": 11, "minute": 16}
